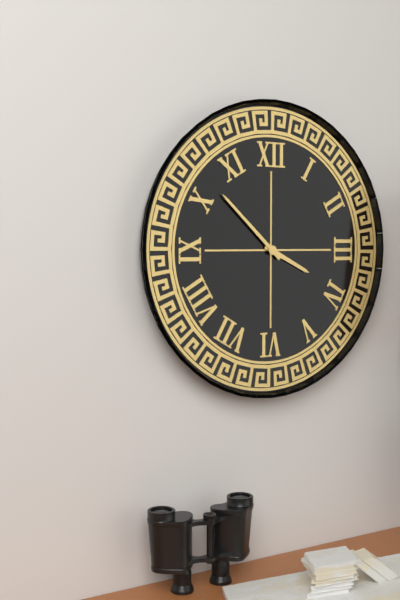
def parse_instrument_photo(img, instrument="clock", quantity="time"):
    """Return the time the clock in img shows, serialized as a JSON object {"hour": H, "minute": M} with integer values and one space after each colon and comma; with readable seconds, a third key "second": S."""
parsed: {"hour": 3, "minute": 52}
